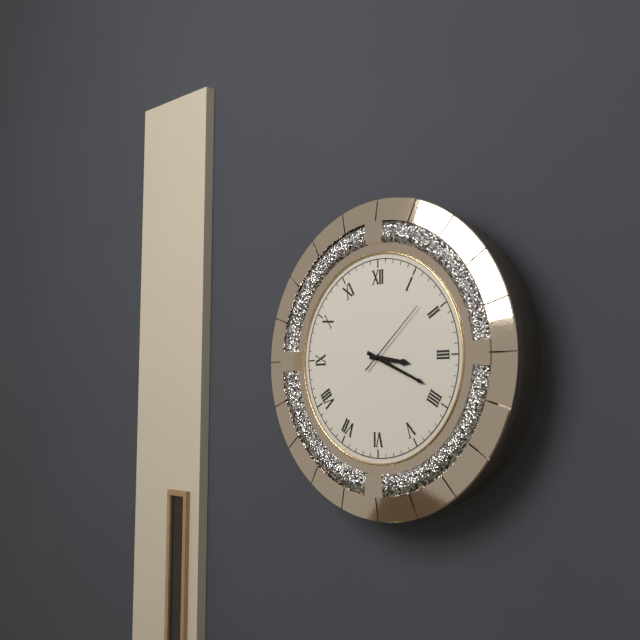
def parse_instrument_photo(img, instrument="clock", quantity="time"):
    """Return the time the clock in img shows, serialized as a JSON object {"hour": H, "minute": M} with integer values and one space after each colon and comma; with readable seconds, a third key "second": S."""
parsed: {"hour": 3, "minute": 19, "second": 8}
